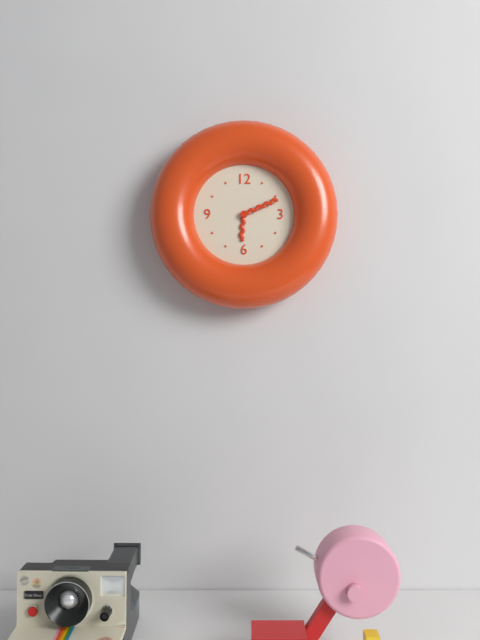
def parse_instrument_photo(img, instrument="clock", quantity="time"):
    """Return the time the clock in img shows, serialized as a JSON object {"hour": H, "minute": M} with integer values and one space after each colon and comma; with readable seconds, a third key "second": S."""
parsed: {"hour": 6, "minute": 11}
